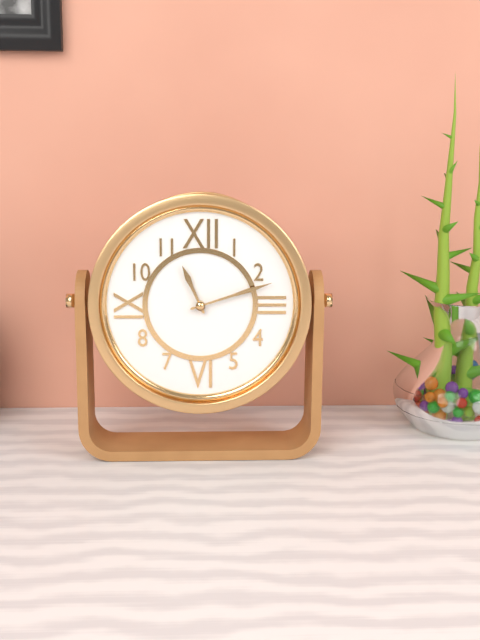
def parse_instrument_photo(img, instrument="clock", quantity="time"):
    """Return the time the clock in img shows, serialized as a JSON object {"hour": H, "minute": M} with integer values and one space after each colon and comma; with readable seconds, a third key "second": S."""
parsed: {"hour": 11, "minute": 12}
